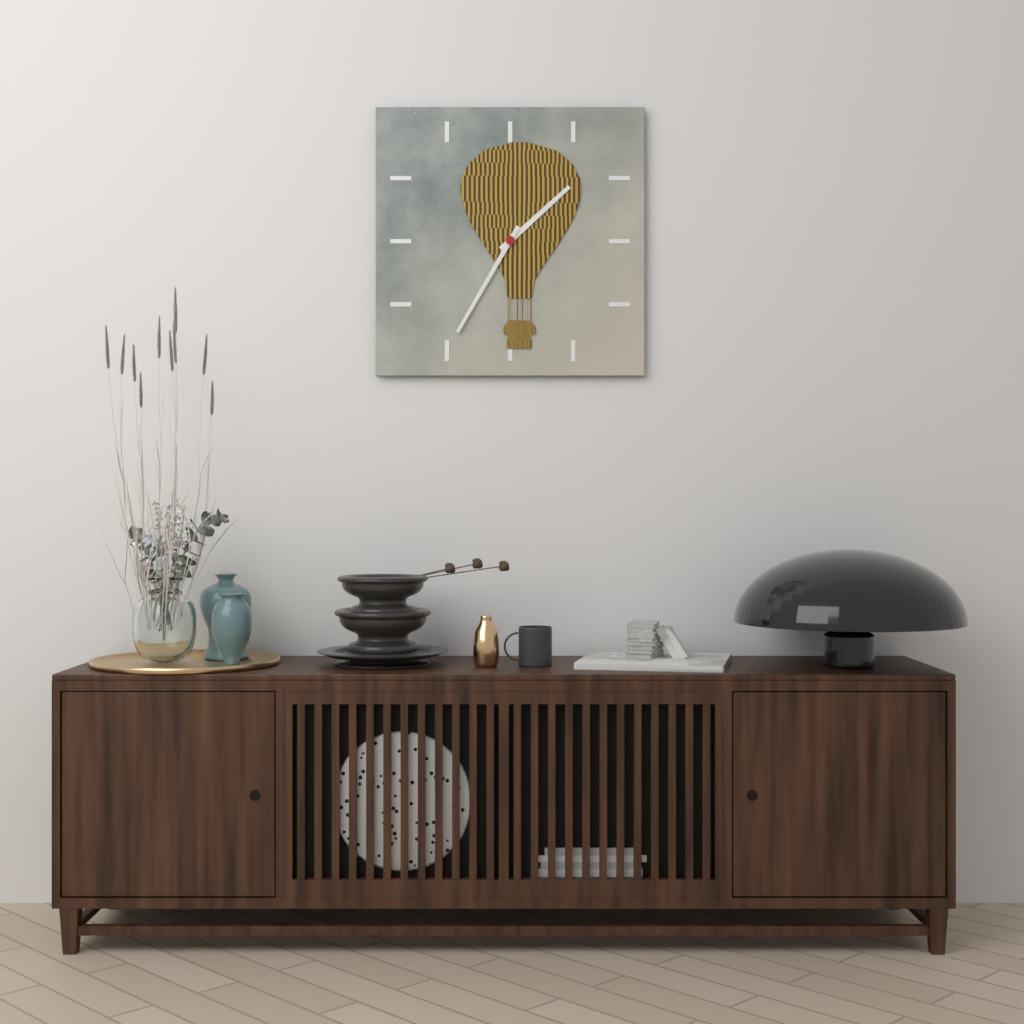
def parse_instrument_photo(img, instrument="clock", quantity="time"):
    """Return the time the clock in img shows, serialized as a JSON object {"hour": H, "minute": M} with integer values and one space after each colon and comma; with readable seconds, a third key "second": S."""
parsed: {"hour": 1, "minute": 35}
